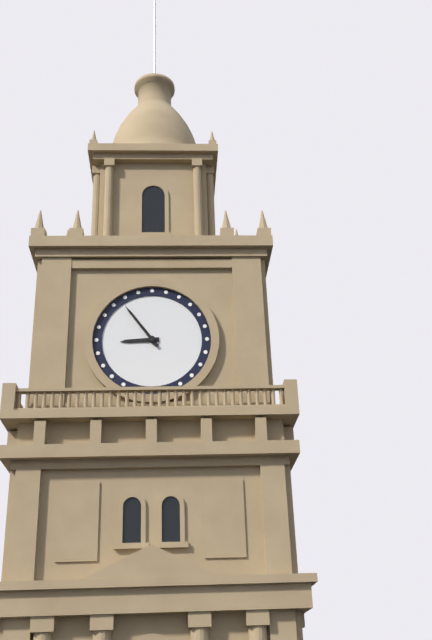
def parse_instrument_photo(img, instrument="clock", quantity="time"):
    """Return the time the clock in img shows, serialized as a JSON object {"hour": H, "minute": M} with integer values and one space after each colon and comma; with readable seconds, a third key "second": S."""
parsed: {"hour": 8, "minute": 54}
